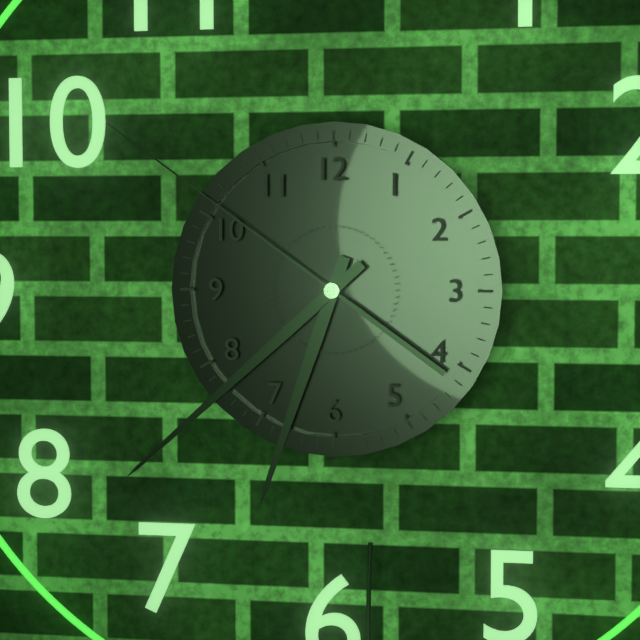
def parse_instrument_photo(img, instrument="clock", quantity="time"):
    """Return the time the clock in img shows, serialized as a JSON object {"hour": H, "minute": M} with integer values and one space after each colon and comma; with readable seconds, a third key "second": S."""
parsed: {"hour": 6, "minute": 38, "second": 51}
